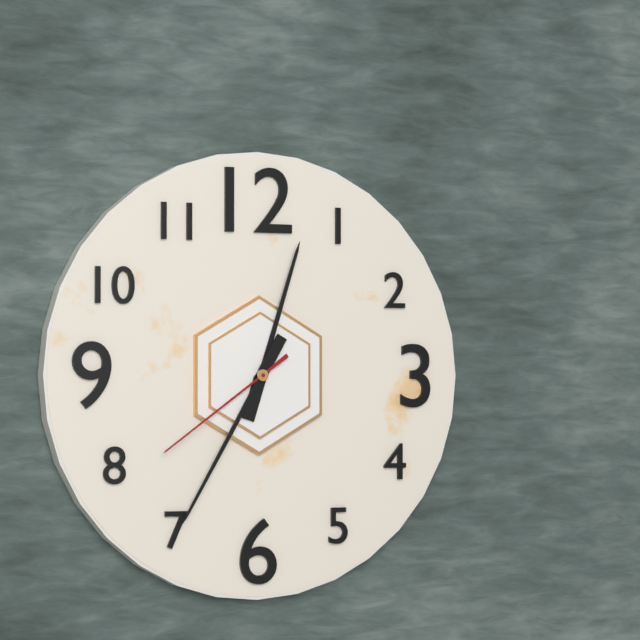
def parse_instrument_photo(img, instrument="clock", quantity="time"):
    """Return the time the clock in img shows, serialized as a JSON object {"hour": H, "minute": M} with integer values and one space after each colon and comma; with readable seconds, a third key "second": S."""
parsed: {"hour": 12, "minute": 35, "second": 39}
